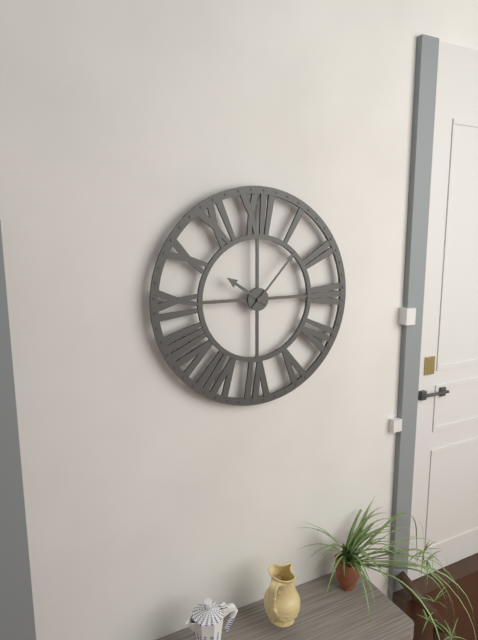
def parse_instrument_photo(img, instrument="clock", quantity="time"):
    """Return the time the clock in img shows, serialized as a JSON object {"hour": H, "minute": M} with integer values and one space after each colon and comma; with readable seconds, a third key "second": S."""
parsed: {"hour": 10, "minute": 7}
